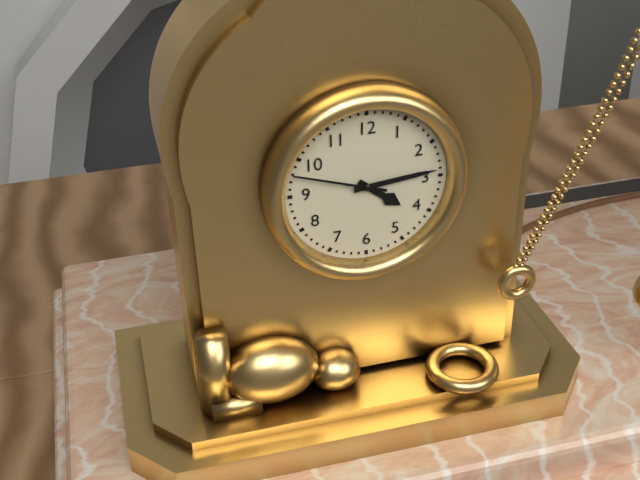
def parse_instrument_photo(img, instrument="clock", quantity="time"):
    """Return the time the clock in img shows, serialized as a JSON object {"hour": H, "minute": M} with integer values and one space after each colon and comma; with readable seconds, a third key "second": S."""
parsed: {"hour": 4, "minute": 14, "second": 48}
